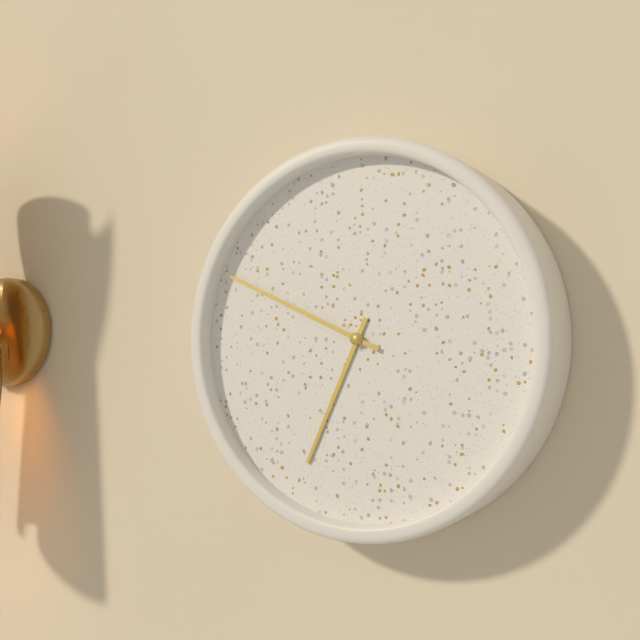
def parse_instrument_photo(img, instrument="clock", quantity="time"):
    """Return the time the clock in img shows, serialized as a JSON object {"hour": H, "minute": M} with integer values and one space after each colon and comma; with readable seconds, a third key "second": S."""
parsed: {"hour": 6, "minute": 49}
